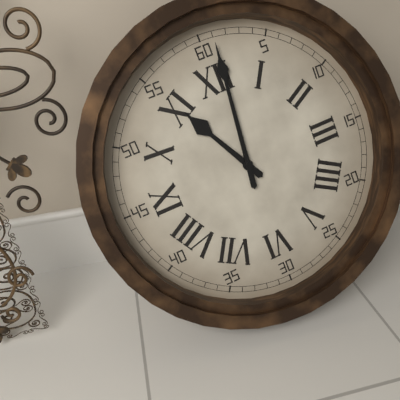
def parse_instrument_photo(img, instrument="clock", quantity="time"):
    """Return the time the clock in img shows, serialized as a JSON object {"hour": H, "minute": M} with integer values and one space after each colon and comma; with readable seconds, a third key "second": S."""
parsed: {"hour": 11, "minute": 1}
